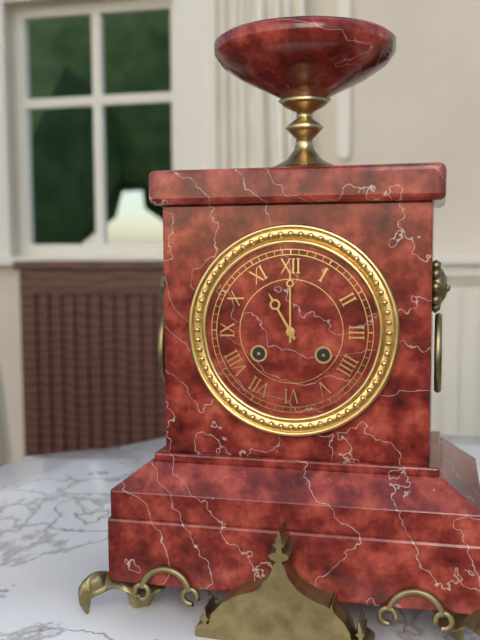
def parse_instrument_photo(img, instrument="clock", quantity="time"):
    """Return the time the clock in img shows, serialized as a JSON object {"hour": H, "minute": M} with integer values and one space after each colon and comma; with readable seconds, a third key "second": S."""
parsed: {"hour": 11, "minute": 0}
